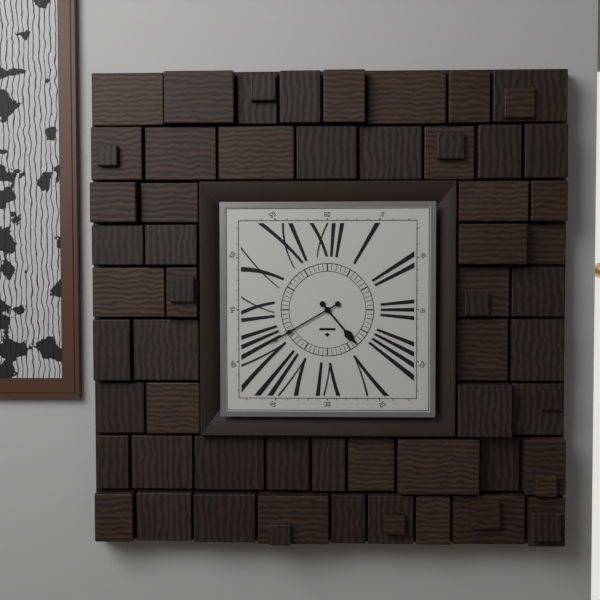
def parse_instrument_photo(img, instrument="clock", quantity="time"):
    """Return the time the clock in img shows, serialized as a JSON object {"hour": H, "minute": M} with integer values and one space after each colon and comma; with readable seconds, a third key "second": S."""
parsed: {"hour": 4, "minute": 40}
